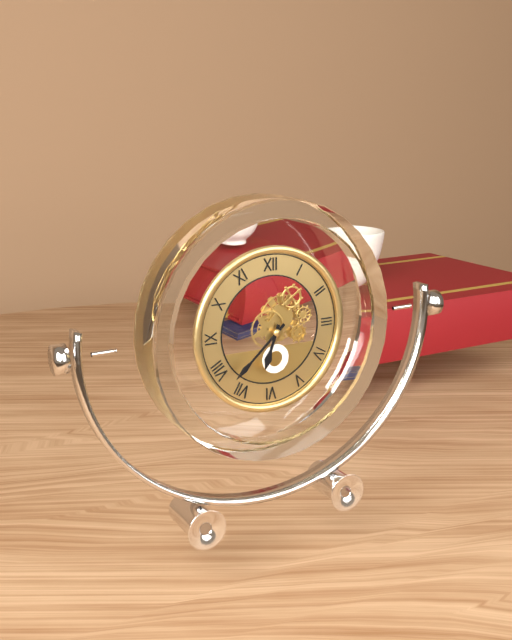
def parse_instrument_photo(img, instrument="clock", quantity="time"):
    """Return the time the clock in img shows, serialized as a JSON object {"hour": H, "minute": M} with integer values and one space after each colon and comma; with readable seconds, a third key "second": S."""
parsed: {"hour": 6, "minute": 38}
